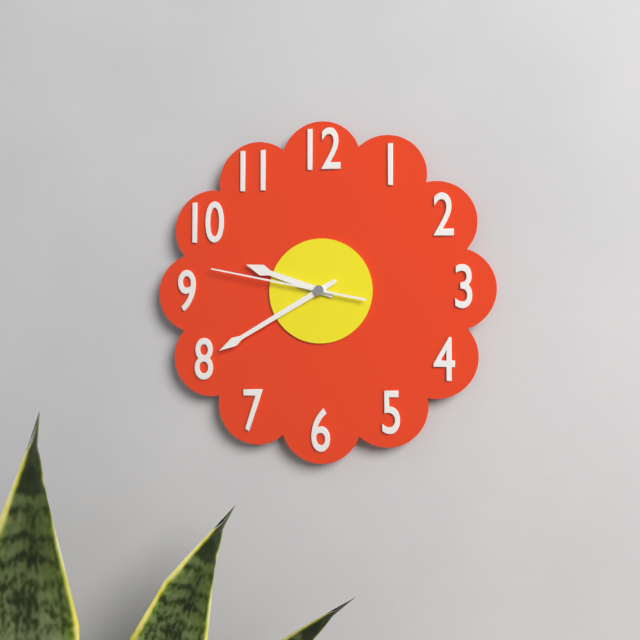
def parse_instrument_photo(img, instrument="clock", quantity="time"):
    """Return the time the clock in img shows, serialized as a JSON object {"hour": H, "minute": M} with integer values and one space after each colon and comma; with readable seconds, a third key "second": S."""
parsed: {"hour": 9, "minute": 40, "second": 47}
